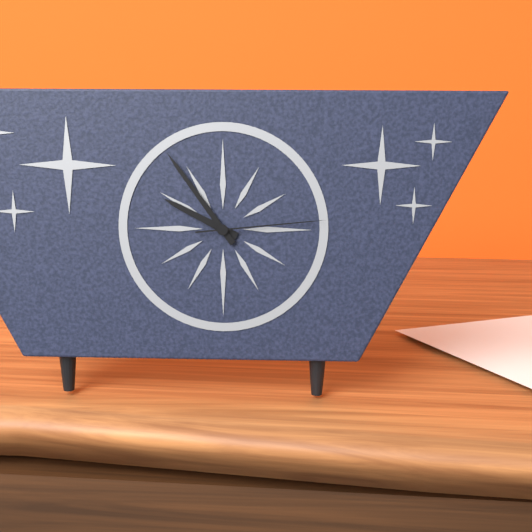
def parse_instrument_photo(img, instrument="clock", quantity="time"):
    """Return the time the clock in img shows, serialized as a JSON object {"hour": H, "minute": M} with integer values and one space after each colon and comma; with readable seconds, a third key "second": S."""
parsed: {"hour": 9, "minute": 54, "second": 14}
